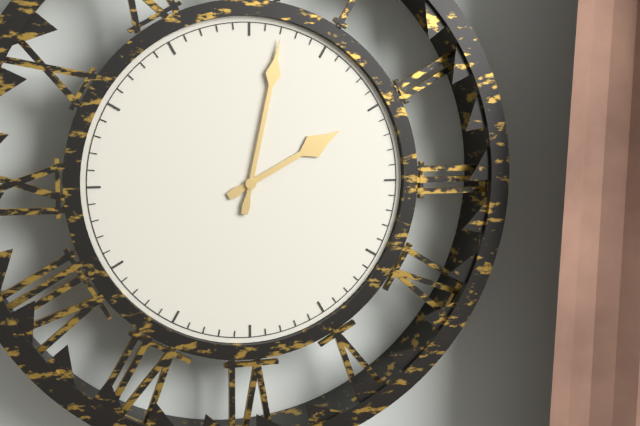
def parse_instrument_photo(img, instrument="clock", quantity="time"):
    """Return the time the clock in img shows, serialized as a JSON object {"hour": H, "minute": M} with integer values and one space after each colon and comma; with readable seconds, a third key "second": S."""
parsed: {"hour": 2, "minute": 2}
